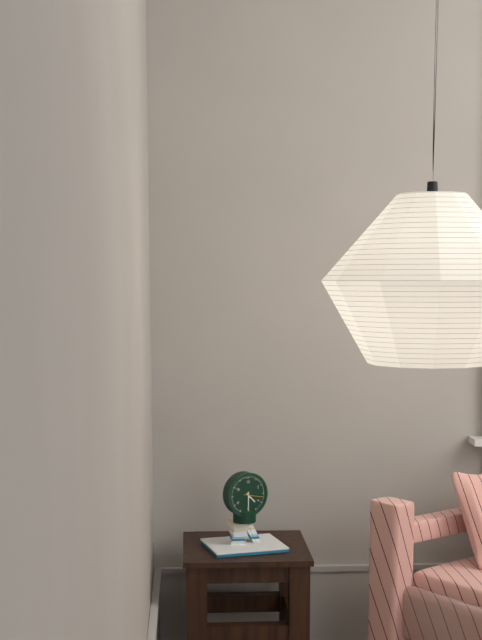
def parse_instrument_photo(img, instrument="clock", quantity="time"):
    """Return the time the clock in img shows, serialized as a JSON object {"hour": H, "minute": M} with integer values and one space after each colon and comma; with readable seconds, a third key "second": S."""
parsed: {"hour": 4, "minute": 30}
